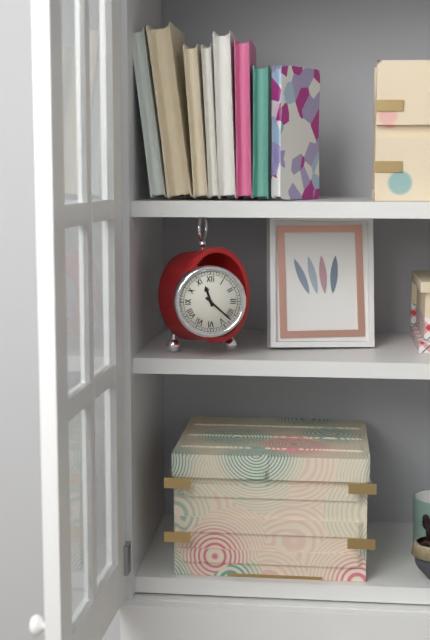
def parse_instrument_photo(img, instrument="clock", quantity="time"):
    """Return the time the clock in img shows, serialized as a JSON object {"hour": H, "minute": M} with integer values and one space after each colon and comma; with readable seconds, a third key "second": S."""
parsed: {"hour": 11, "minute": 22}
